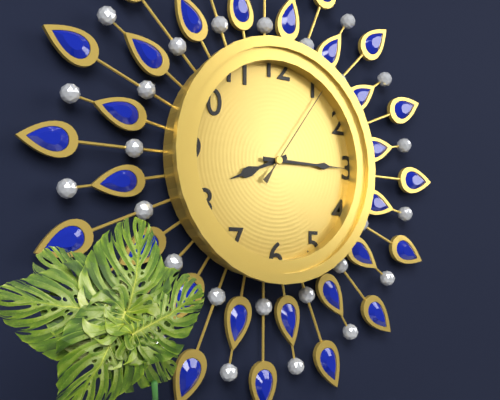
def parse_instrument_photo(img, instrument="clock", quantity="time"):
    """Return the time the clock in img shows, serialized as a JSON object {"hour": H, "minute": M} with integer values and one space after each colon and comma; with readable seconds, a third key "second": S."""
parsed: {"hour": 8, "minute": 15, "second": 6}
